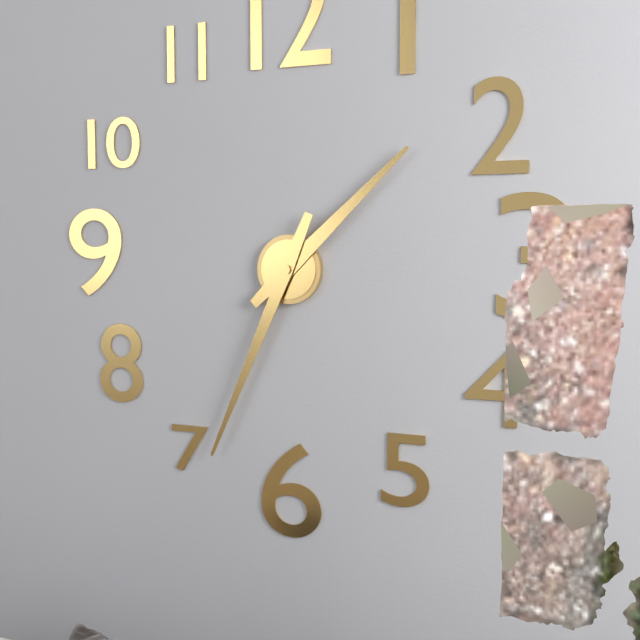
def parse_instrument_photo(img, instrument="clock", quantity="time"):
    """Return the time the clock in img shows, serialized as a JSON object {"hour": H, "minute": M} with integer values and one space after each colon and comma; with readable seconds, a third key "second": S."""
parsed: {"hour": 1, "minute": 34}
